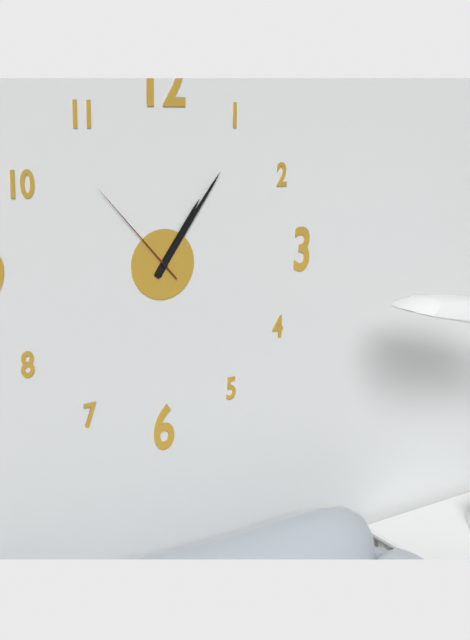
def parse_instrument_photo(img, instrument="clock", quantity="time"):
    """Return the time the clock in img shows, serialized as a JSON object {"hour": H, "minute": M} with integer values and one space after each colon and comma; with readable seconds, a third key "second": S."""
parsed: {"hour": 1, "minute": 6, "second": 53}
